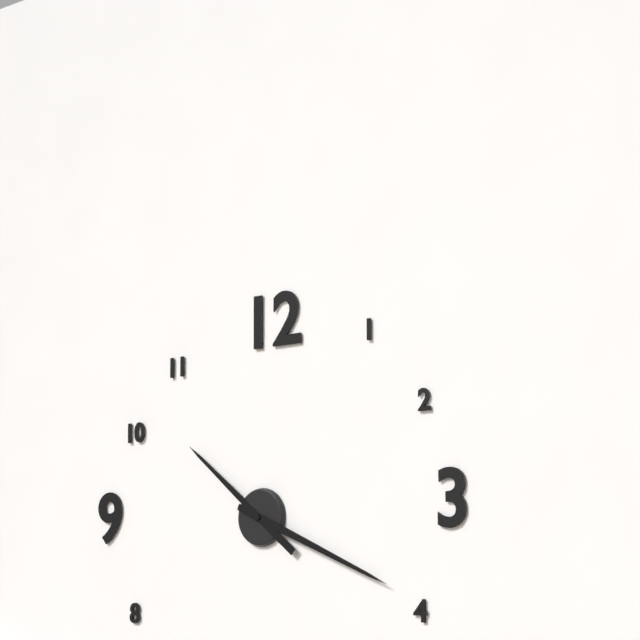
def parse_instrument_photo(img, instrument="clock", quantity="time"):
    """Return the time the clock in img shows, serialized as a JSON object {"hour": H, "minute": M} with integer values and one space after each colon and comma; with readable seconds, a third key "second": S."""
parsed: {"hour": 10, "minute": 19}
